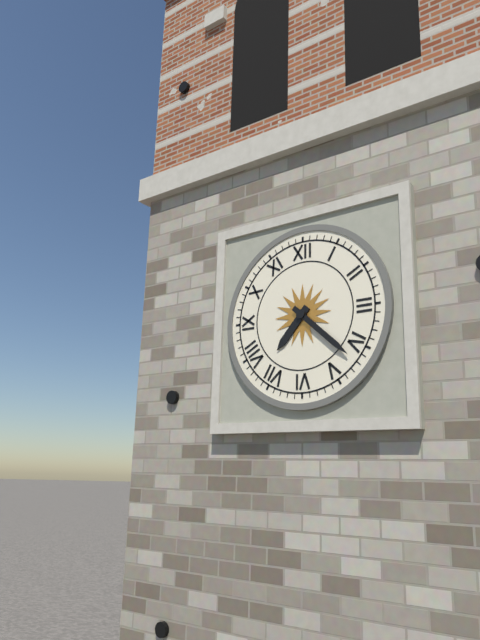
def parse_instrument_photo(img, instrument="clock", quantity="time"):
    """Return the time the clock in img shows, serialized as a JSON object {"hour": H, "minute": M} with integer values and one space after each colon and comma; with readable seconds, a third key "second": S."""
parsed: {"hour": 7, "minute": 22}
